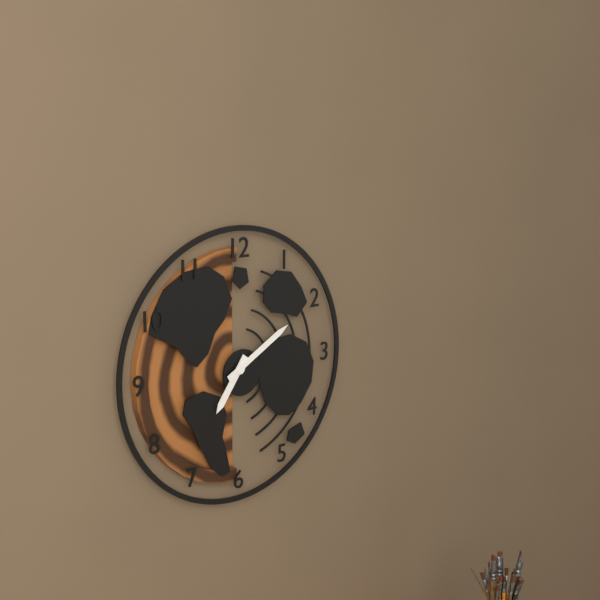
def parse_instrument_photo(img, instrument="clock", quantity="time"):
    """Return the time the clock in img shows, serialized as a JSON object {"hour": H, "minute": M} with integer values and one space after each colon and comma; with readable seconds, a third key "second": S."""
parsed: {"hour": 7, "minute": 10}
